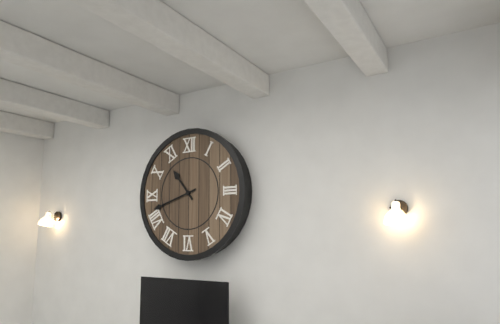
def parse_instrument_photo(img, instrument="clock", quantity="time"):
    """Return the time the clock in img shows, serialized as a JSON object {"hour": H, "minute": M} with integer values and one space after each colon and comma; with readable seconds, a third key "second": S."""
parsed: {"hour": 10, "minute": 42}
